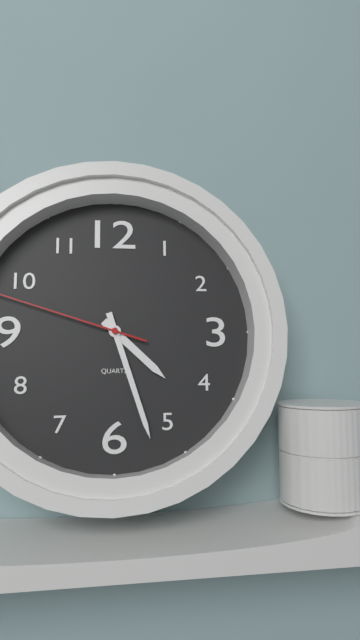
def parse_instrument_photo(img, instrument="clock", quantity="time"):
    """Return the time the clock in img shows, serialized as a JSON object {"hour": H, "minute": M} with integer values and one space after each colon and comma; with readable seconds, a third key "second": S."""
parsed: {"hour": 4, "minute": 27}
